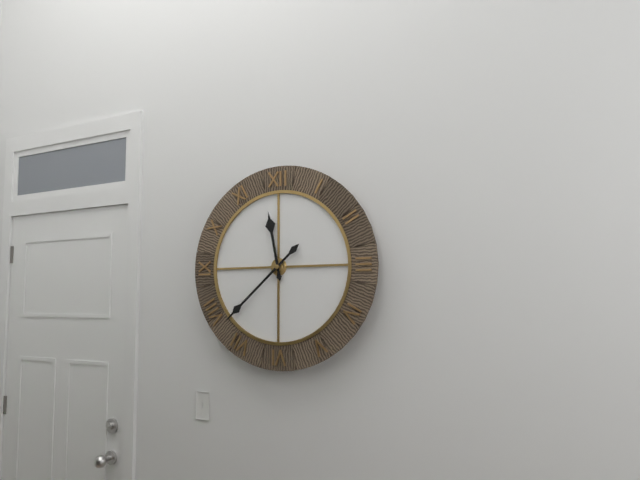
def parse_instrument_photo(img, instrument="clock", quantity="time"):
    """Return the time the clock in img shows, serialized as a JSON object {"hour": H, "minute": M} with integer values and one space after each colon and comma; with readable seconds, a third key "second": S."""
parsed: {"hour": 11, "minute": 38}
